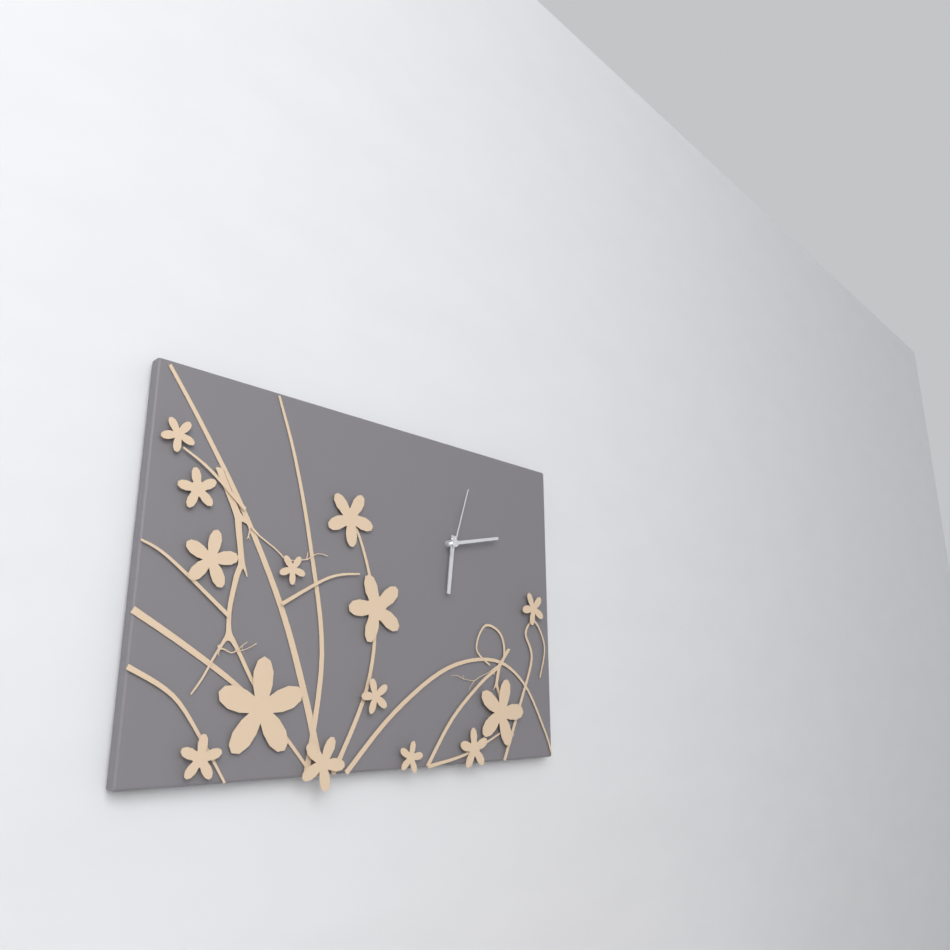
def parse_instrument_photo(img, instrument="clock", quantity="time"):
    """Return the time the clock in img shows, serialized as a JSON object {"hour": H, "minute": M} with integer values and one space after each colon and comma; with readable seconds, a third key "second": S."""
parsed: {"hour": 6, "minute": 13, "second": 3}
